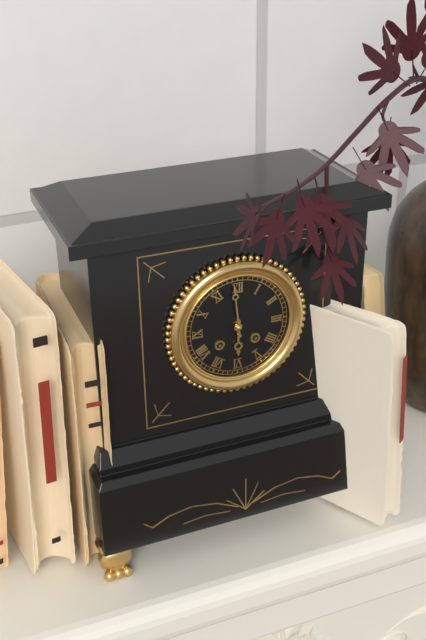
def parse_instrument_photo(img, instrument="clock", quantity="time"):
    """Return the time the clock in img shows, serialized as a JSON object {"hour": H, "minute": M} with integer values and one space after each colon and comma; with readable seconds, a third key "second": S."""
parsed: {"hour": 5, "minute": 59}
